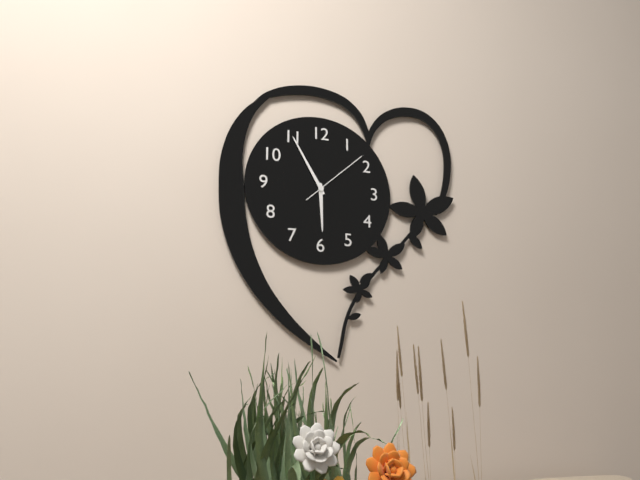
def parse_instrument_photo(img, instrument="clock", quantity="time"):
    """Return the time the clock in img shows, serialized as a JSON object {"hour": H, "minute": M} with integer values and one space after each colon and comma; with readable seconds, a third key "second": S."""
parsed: {"hour": 5, "minute": 55, "second": 8}
